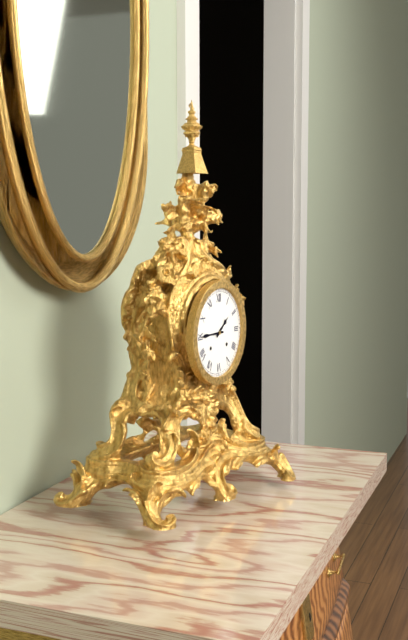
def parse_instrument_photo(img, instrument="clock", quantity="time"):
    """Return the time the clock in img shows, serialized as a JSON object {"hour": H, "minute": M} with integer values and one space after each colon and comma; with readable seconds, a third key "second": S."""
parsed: {"hour": 1, "minute": 45}
